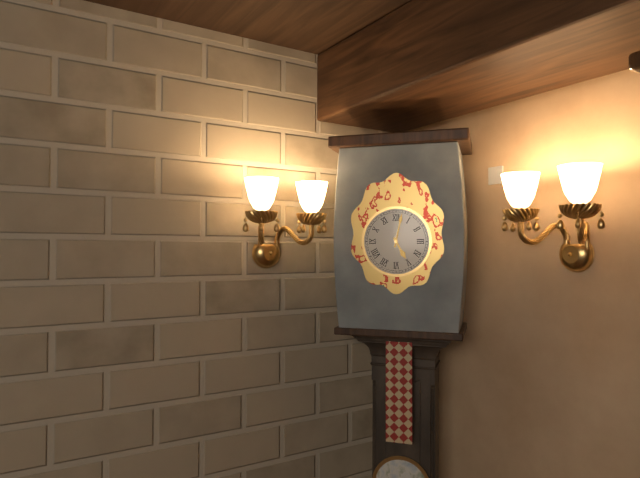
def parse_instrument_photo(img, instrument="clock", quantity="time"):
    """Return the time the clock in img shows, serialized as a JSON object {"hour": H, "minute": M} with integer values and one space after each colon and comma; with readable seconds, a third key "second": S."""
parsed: {"hour": 5, "minute": 2}
